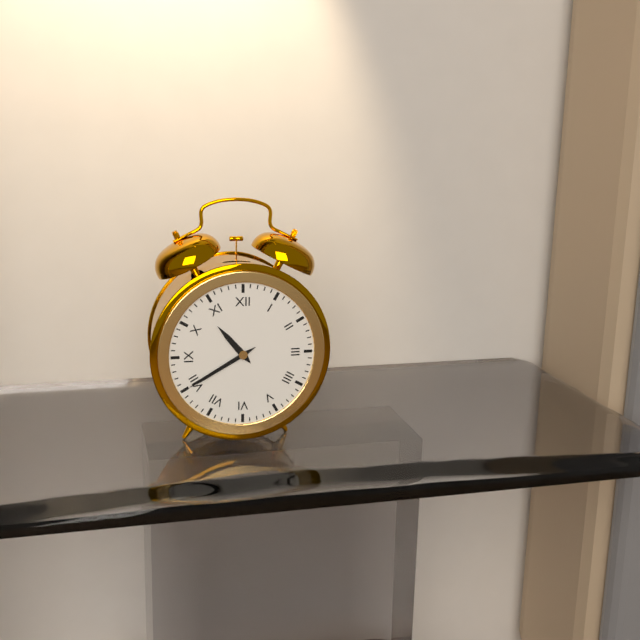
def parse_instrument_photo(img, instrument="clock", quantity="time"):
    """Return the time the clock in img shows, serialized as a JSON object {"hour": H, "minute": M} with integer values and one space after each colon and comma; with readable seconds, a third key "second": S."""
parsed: {"hour": 10, "minute": 40}
